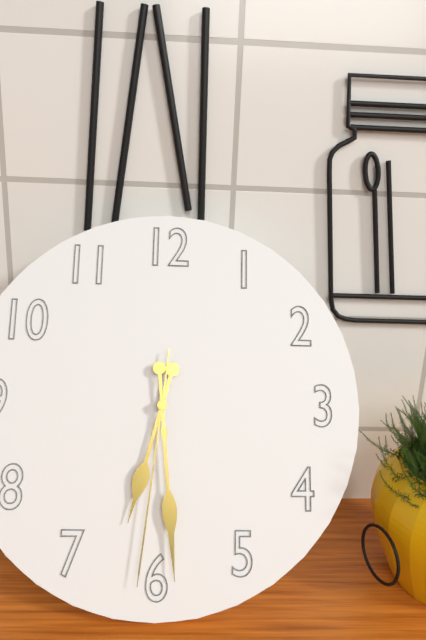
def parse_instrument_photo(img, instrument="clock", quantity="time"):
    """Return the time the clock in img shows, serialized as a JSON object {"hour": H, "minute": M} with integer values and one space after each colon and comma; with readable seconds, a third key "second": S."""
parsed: {"hour": 6, "minute": 29, "second": 31}
